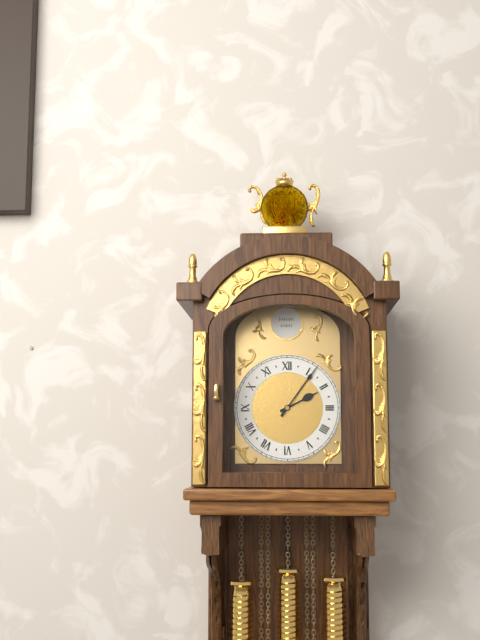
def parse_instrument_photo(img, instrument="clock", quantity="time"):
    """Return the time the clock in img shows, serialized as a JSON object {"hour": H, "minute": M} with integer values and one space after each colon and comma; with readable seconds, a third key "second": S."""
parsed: {"hour": 2, "minute": 6}
